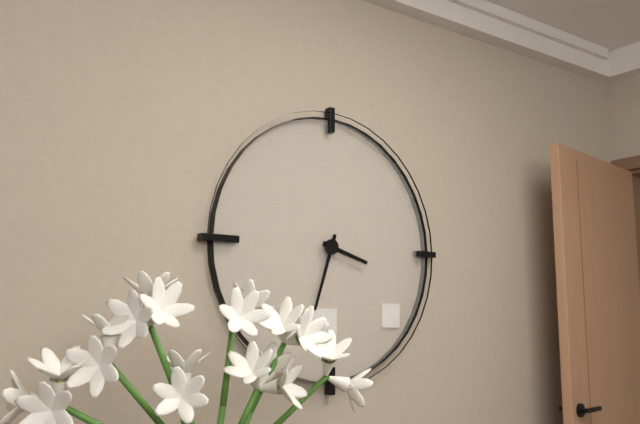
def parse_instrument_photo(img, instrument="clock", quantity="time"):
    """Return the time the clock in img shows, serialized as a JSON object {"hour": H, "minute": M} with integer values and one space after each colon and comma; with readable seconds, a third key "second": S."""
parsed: {"hour": 3, "minute": 33}
